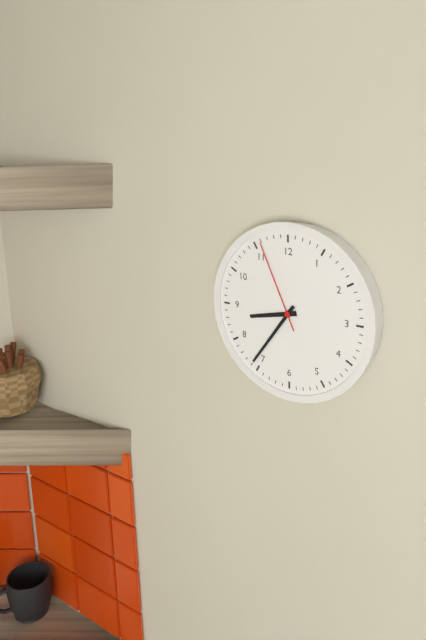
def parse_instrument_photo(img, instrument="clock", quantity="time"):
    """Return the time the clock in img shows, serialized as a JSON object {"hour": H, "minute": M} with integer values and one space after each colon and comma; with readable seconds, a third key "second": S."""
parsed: {"hour": 8, "minute": 36, "second": 56}
